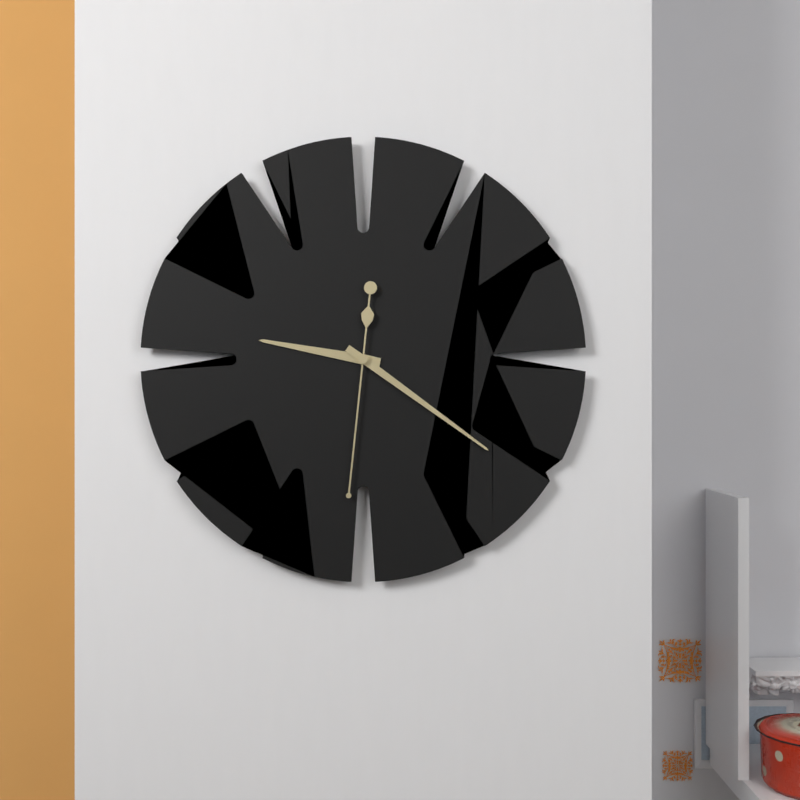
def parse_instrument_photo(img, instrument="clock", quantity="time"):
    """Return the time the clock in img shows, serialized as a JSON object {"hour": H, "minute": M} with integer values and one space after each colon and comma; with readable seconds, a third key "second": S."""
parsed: {"hour": 9, "minute": 21, "second": 31}
